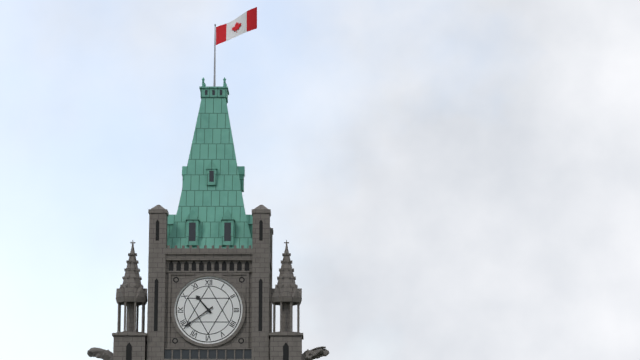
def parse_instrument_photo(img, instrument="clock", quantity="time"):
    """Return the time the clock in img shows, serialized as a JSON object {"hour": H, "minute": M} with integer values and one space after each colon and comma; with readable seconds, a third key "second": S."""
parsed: {"hour": 10, "minute": 39}
